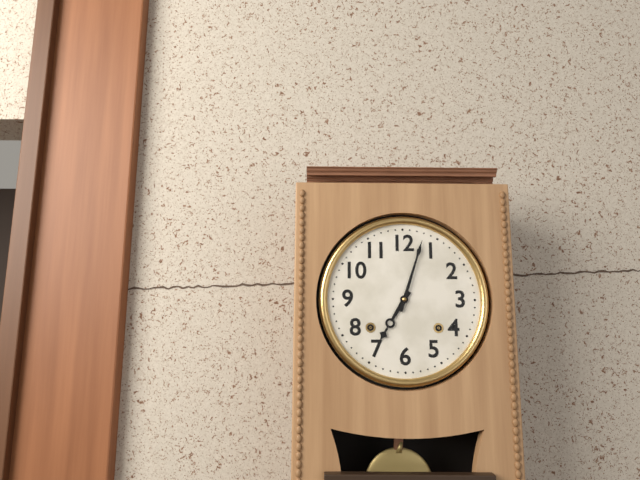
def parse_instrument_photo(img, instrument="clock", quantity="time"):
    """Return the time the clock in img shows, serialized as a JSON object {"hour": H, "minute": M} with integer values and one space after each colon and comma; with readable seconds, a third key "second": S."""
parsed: {"hour": 7, "minute": 3}
